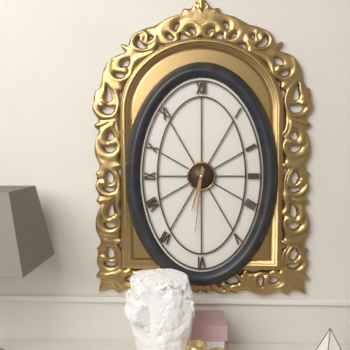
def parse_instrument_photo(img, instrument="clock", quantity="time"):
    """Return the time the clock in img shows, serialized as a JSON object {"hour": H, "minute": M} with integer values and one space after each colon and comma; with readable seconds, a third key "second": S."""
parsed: {"hour": 6, "minute": 31}
